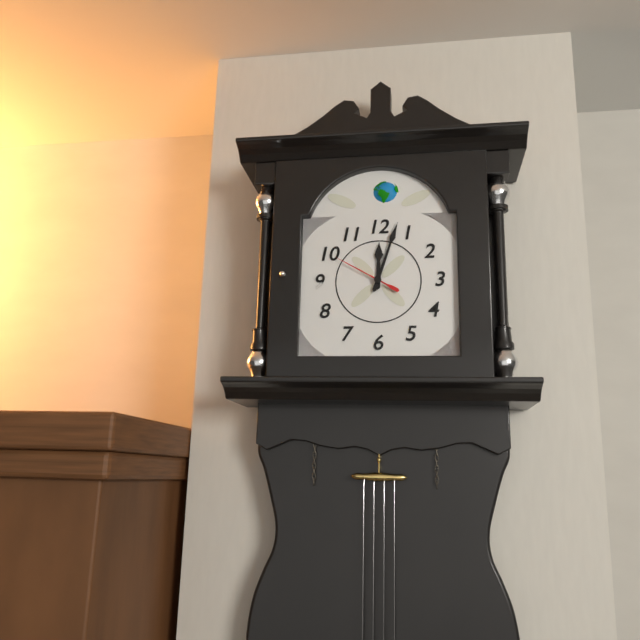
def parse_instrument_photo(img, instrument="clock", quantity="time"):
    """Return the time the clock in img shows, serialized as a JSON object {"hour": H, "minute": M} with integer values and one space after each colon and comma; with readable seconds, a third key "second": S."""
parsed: {"hour": 12, "minute": 3, "second": 50}
